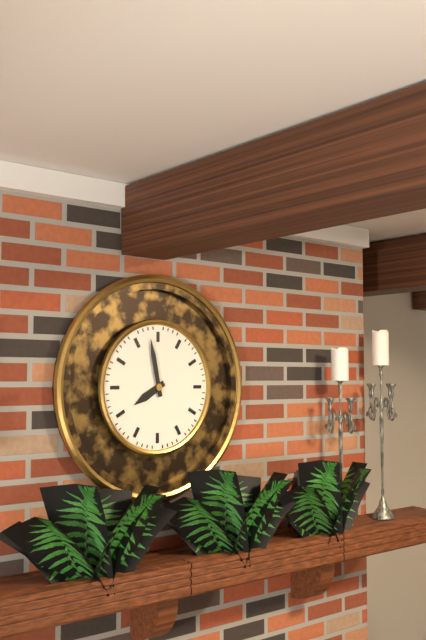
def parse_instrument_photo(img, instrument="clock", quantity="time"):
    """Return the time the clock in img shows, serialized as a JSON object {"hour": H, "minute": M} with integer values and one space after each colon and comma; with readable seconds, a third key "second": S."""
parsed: {"hour": 7, "minute": 58}
